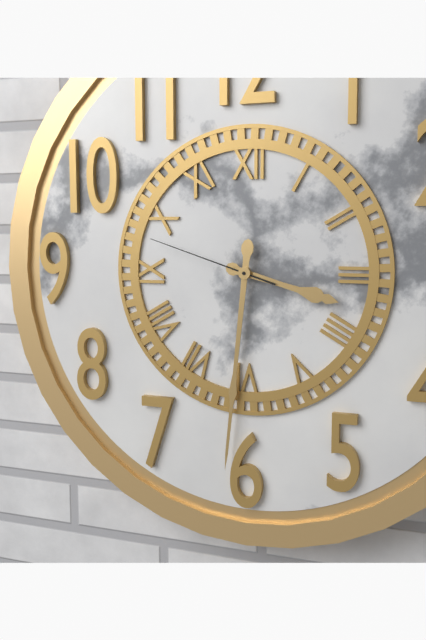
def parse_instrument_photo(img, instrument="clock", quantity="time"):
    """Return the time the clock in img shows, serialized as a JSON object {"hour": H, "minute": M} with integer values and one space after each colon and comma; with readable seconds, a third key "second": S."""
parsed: {"hour": 3, "minute": 31, "second": 48}
